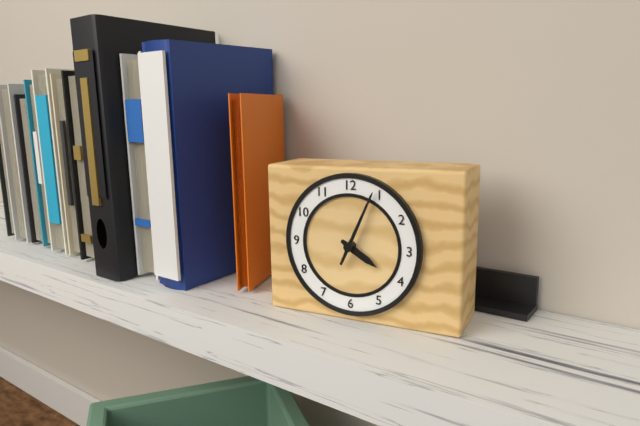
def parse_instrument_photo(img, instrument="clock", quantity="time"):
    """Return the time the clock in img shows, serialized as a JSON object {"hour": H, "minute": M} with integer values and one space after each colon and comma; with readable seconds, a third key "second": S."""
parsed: {"hour": 4, "minute": 4}
